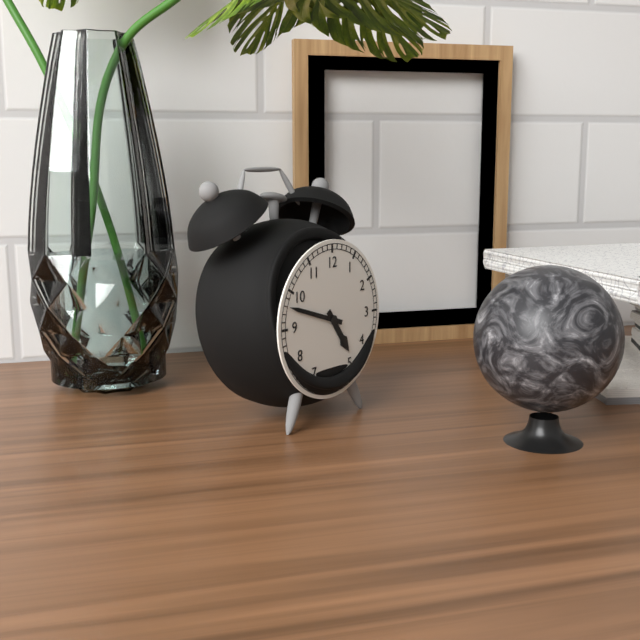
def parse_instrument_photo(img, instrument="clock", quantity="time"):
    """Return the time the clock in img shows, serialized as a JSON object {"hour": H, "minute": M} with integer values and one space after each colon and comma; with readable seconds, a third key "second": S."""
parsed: {"hour": 4, "minute": 48}
